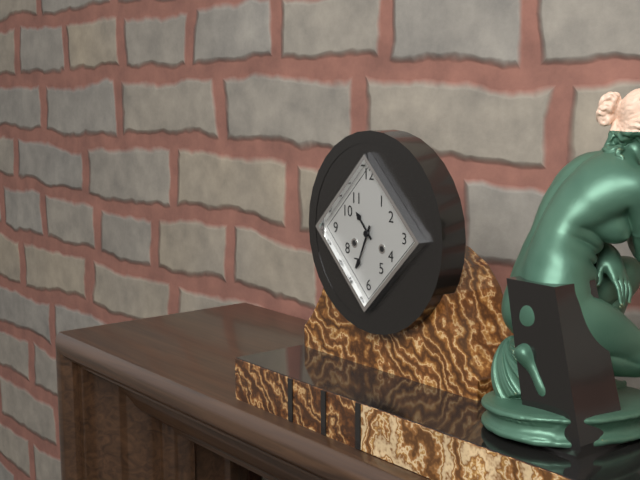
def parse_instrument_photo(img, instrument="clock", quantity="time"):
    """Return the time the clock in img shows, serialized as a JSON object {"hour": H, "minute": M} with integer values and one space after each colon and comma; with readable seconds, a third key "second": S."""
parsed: {"hour": 10, "minute": 34}
